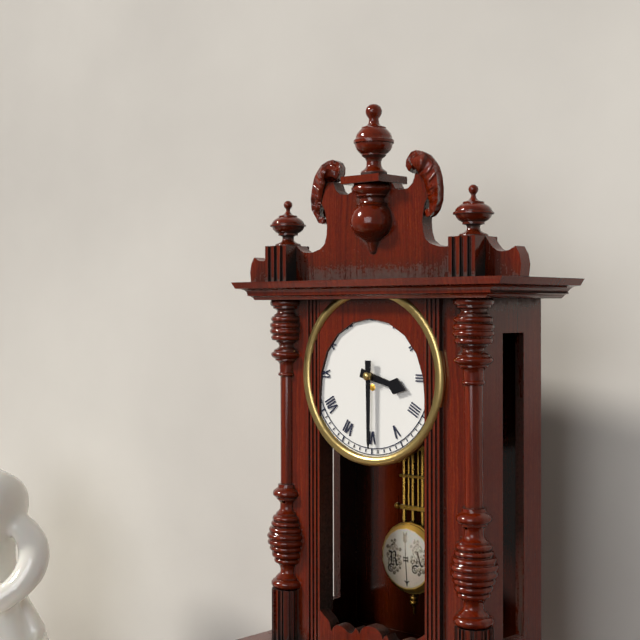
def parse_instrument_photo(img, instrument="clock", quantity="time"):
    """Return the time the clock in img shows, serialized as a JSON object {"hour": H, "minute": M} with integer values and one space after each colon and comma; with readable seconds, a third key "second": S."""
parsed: {"hour": 3, "minute": 30}
